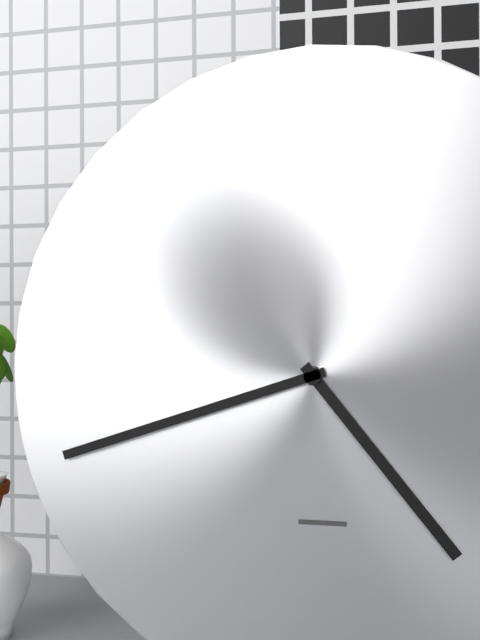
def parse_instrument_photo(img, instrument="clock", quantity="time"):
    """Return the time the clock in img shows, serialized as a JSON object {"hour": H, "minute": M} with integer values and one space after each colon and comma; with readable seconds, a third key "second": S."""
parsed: {"hour": 4, "minute": 42}
